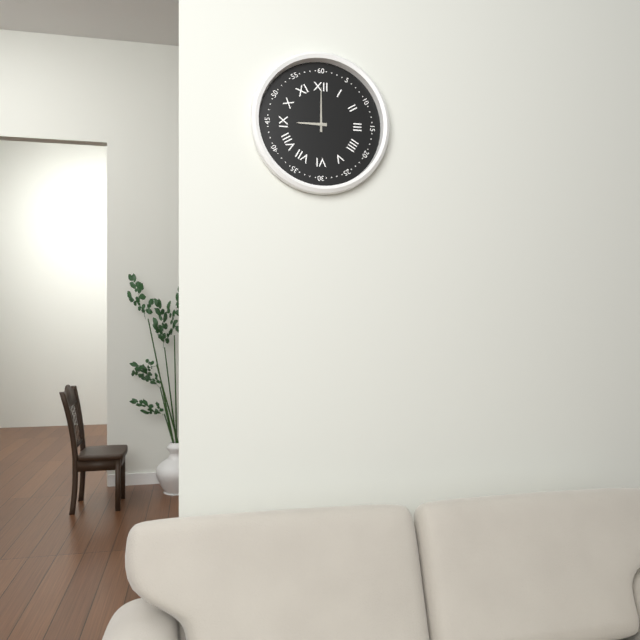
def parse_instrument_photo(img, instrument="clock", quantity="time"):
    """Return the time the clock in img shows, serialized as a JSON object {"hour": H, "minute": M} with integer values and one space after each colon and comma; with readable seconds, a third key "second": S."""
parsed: {"hour": 9, "minute": 0}
